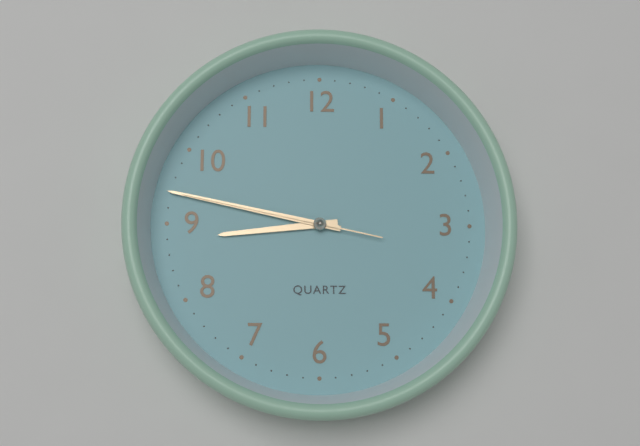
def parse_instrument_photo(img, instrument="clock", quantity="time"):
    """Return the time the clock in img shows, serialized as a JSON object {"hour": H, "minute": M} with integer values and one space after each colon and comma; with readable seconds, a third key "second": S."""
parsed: {"hour": 8, "minute": 47, "second": 47}
